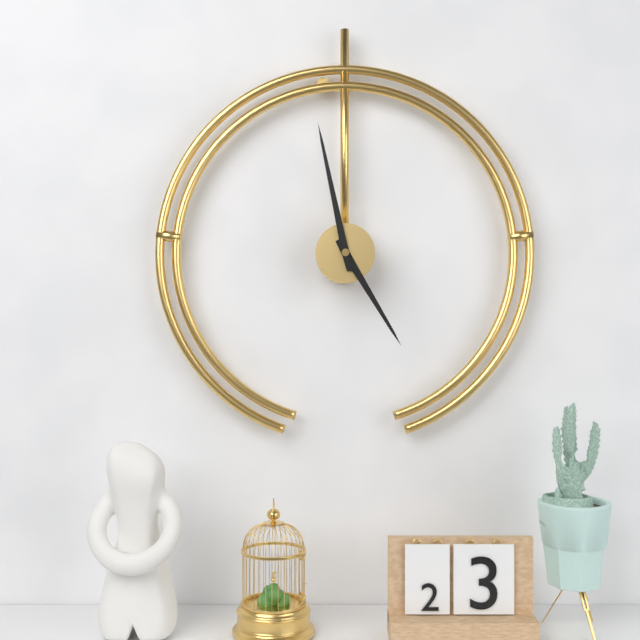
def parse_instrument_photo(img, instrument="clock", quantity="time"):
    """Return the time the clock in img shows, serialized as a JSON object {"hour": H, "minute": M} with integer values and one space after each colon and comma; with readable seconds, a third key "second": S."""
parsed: {"hour": 4, "minute": 58}
